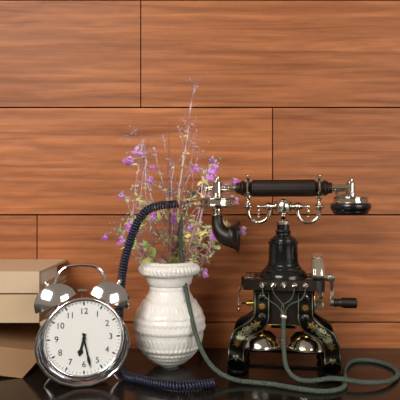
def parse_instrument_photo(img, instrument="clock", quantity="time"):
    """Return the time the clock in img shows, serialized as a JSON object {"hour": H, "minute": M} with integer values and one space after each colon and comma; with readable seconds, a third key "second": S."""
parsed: {"hour": 6, "minute": 28}
